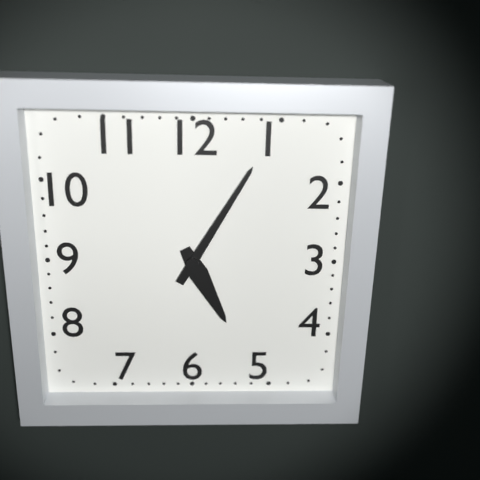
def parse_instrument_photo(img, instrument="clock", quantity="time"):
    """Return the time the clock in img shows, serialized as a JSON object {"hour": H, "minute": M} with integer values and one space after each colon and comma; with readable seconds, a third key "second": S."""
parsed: {"hour": 5, "minute": 5}
